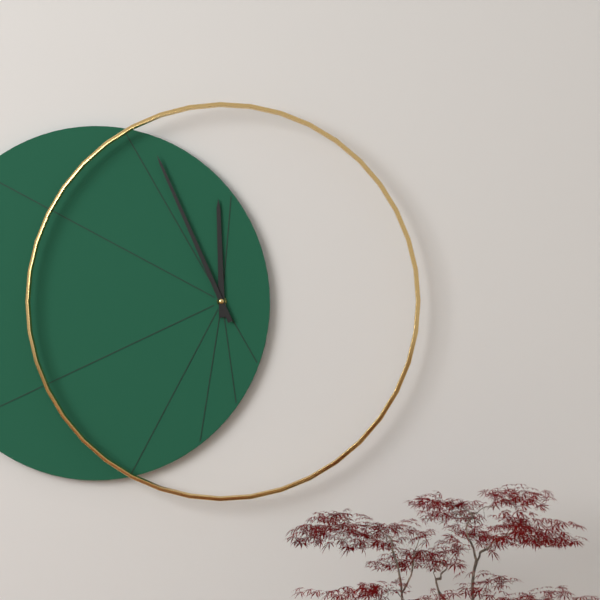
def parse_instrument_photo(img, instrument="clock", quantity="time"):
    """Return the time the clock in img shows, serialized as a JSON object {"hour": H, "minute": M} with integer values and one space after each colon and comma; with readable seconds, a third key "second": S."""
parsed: {"hour": 11, "minute": 56}
